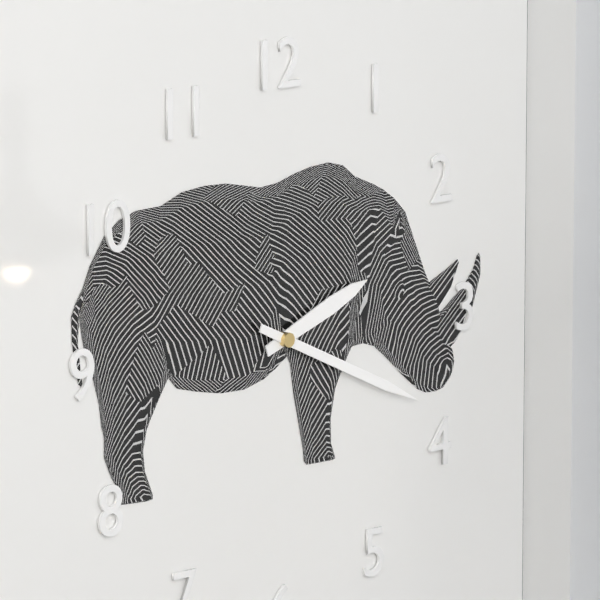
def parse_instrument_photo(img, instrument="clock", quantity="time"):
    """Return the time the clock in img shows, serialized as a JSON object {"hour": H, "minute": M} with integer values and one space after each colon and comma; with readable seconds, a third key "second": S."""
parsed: {"hour": 2, "minute": 19}
